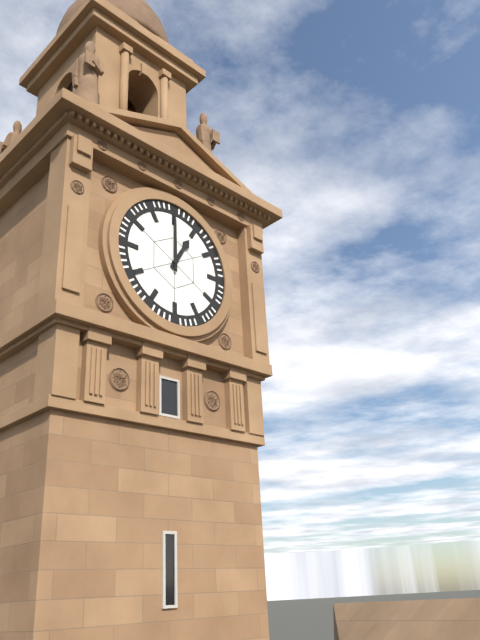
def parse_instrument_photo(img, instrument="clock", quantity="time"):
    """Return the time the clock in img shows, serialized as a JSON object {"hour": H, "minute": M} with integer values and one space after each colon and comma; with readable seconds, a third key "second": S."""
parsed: {"hour": 1, "minute": 0}
